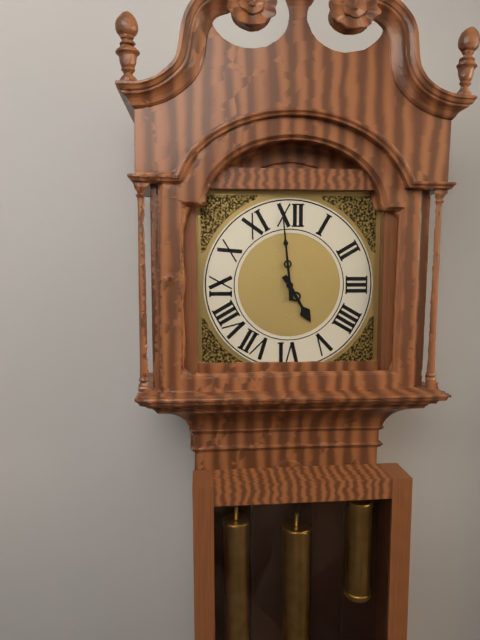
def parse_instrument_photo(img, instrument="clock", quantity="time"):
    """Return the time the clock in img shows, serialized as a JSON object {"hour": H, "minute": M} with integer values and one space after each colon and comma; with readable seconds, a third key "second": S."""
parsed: {"hour": 4, "minute": 59}
